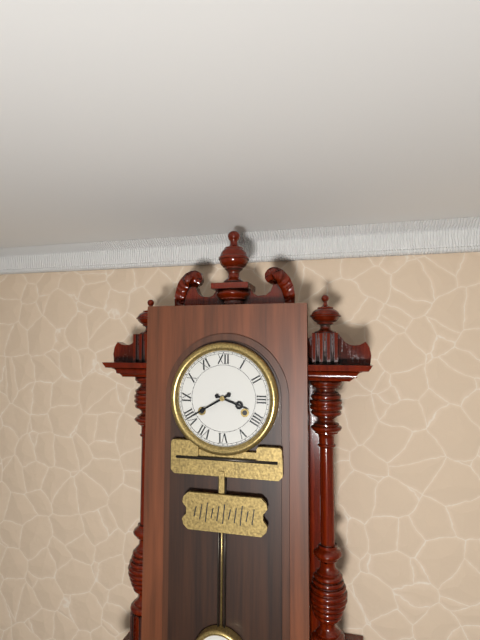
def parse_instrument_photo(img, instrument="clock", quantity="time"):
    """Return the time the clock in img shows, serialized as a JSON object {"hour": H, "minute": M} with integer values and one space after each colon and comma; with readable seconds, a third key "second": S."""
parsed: {"hour": 3, "minute": 40}
